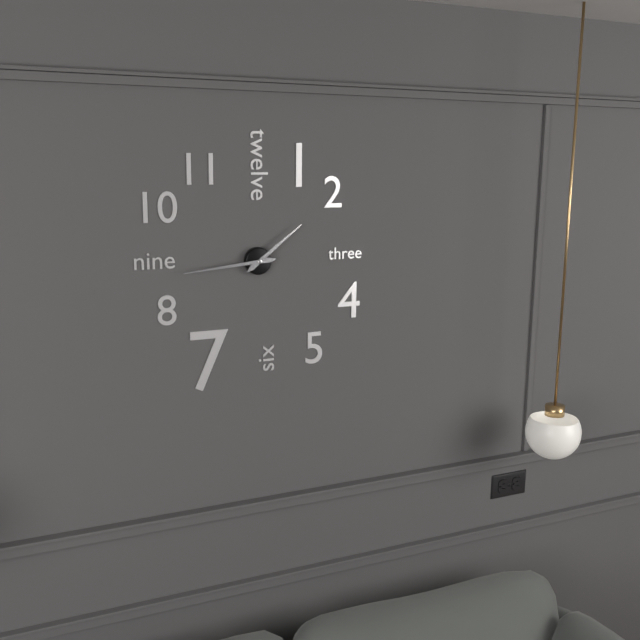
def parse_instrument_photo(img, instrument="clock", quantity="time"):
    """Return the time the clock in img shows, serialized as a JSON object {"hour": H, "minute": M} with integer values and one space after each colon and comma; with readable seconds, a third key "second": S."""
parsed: {"hour": 1, "minute": 44}
